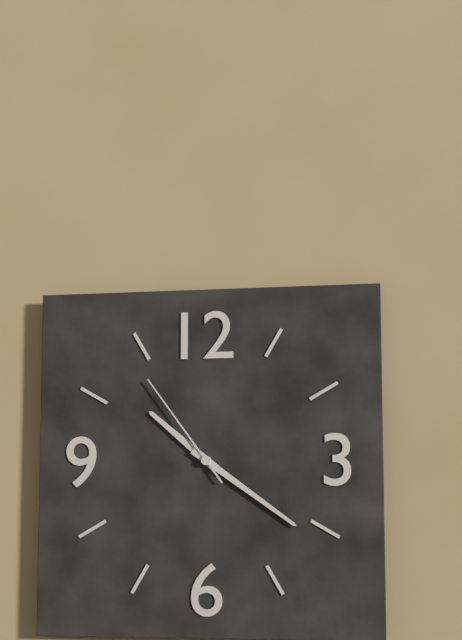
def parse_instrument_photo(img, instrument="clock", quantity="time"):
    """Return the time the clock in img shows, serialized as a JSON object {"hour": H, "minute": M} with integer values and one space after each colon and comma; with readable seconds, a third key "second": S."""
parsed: {"hour": 10, "minute": 21, "second": 54}
